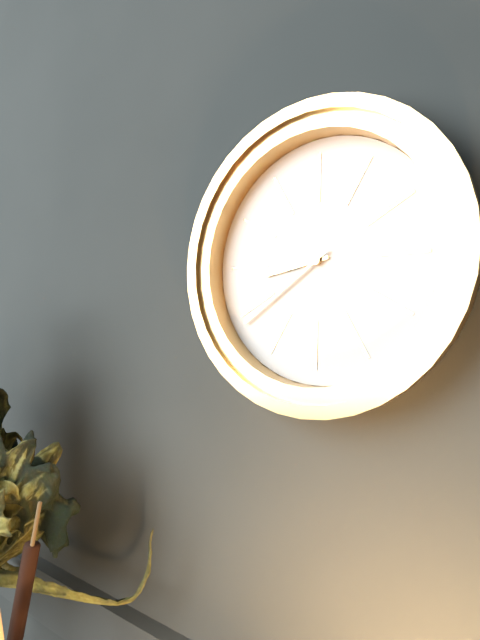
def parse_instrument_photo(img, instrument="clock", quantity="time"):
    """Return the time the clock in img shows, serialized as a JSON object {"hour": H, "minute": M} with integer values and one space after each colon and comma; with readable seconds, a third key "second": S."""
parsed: {"hour": 8, "minute": 39}
